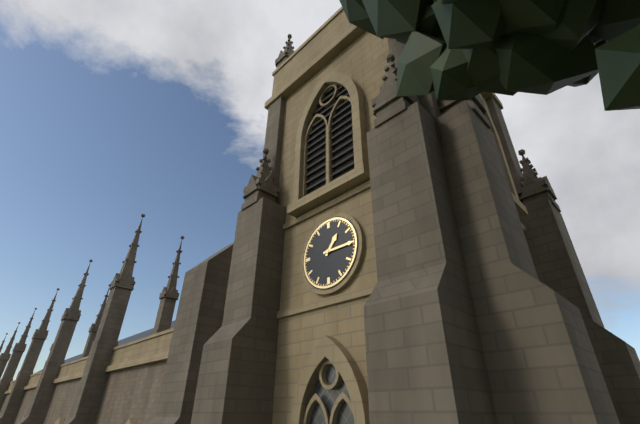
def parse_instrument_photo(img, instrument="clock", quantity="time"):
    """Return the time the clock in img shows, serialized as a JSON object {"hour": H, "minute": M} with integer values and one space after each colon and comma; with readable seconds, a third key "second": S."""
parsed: {"hour": 1, "minute": 15}
